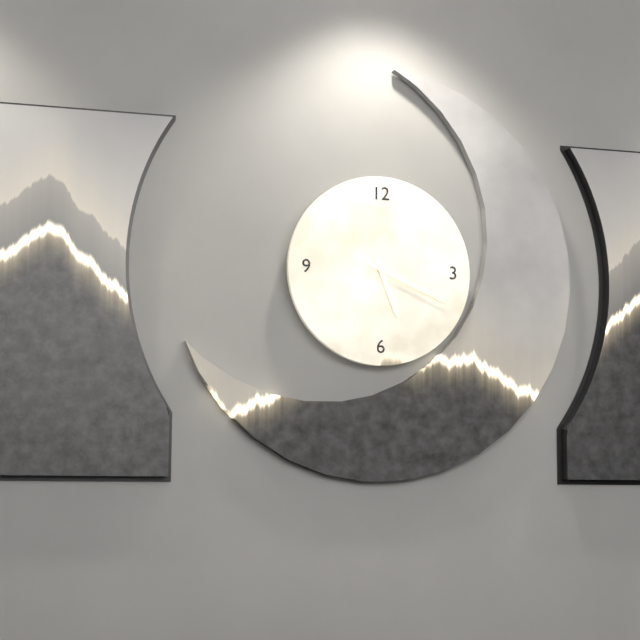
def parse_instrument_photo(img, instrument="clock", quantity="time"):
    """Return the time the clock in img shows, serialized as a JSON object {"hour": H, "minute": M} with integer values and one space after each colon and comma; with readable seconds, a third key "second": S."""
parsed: {"hour": 5, "minute": 19}
